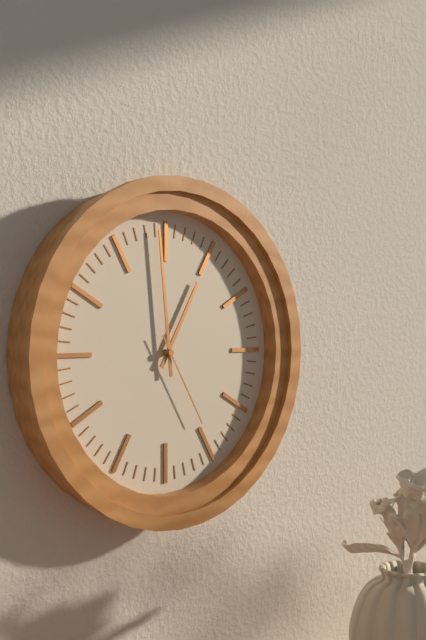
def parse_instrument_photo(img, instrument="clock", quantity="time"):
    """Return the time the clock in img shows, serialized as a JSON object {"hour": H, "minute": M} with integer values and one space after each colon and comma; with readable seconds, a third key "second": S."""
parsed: {"hour": 12, "minute": 59, "second": 25}
